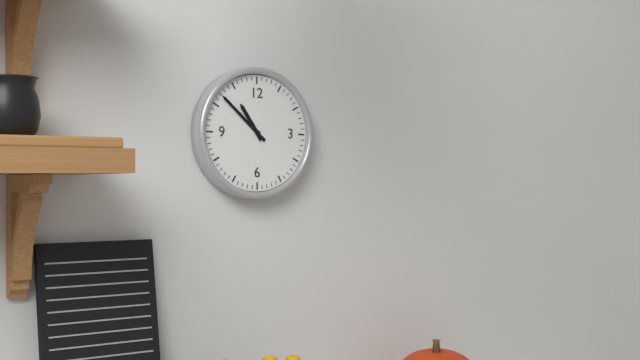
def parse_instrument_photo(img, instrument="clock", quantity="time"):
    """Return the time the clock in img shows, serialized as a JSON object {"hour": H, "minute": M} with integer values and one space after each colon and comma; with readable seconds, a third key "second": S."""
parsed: {"hour": 10, "minute": 52}
